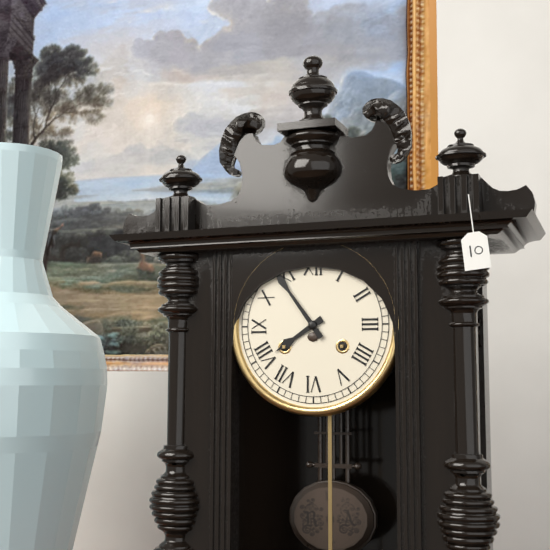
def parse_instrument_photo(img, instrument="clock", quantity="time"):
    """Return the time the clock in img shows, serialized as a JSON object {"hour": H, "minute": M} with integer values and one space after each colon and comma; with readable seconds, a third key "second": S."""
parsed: {"hour": 7, "minute": 54}
